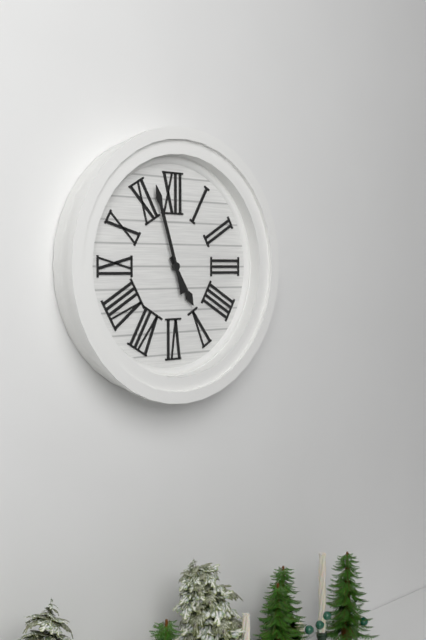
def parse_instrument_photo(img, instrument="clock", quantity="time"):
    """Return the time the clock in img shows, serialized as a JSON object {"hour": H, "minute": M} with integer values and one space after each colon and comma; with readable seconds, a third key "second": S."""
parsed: {"hour": 4, "minute": 57}
